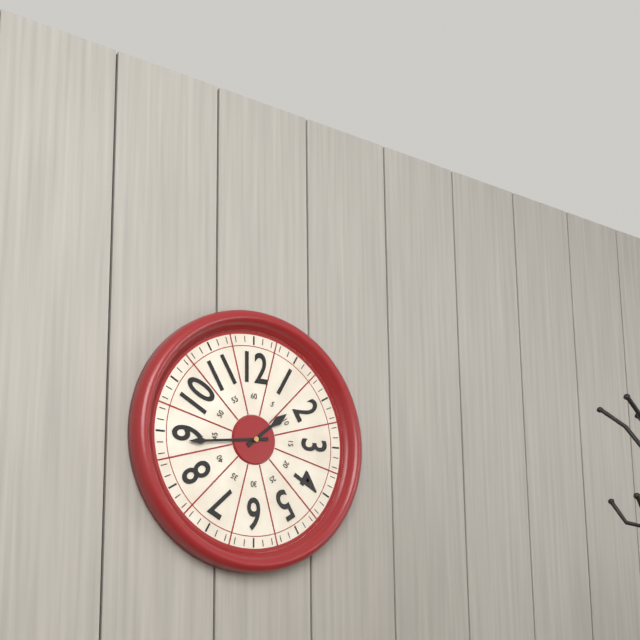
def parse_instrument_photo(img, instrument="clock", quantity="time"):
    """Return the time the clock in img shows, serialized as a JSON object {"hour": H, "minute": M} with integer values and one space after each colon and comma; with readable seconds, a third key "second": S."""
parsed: {"hour": 1, "minute": 44}
